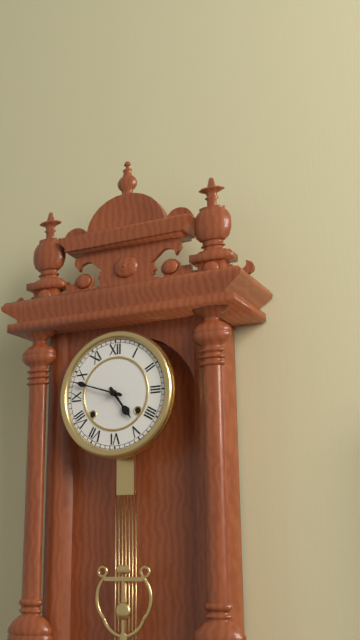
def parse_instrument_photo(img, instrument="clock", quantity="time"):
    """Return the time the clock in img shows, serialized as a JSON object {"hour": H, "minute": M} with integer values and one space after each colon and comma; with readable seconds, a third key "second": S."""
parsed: {"hour": 4, "minute": 48}
